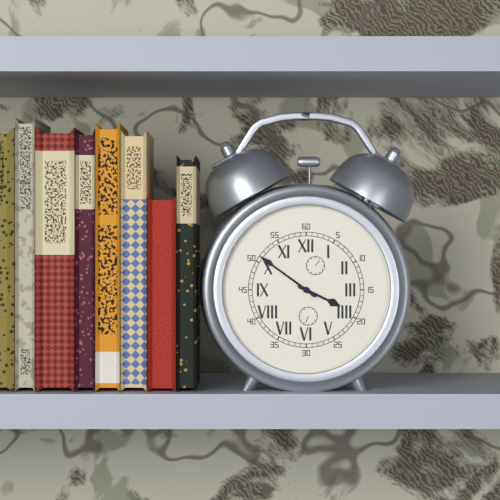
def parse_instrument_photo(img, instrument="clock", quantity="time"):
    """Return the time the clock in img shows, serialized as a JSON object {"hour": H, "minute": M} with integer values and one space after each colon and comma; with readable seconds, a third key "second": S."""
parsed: {"hour": 3, "minute": 51}
